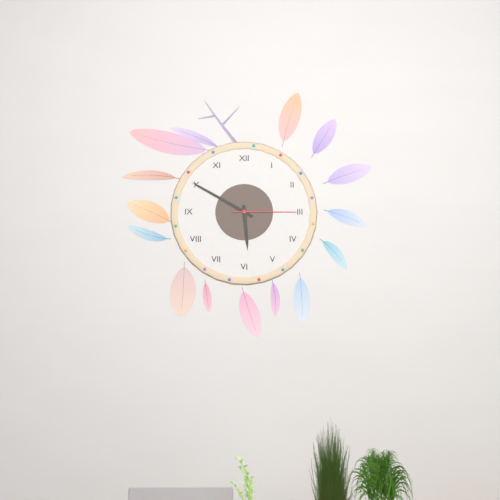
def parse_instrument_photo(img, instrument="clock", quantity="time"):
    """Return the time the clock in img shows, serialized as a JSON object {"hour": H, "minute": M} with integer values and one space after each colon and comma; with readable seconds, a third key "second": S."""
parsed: {"hour": 5, "minute": 50, "second": 15}
